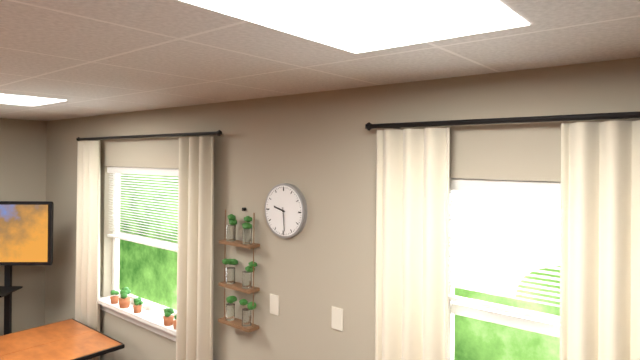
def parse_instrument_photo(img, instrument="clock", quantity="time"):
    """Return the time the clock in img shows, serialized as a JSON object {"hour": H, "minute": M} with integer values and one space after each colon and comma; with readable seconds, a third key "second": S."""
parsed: {"hour": 9, "minute": 29}
